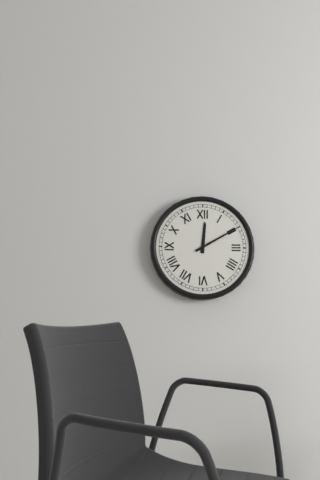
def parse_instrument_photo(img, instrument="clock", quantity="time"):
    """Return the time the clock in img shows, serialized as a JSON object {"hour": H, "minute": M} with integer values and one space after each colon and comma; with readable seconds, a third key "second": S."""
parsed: {"hour": 12, "minute": 10}
